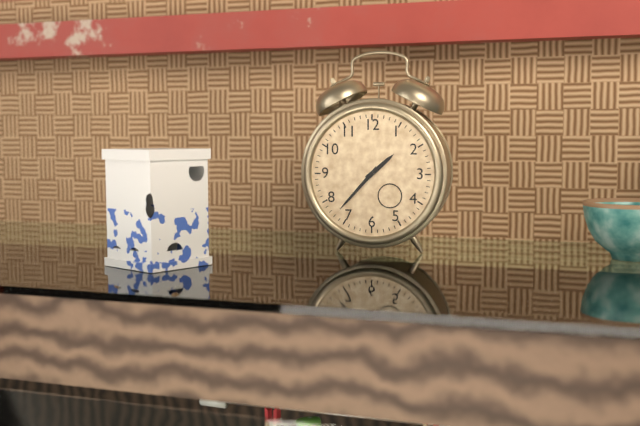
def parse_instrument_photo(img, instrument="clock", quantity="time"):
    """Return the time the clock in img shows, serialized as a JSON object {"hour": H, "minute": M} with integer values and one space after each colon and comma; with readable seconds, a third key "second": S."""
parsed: {"hour": 1, "minute": 37}
